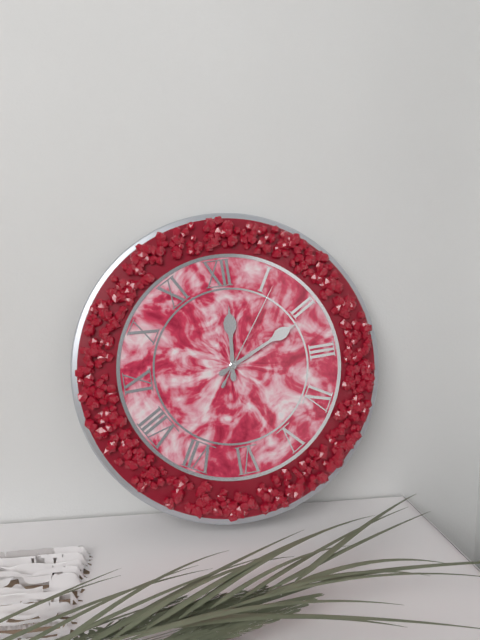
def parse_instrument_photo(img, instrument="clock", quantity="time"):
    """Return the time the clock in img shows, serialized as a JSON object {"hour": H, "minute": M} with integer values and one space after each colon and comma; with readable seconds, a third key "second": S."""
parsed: {"hour": 12, "minute": 11, "second": 6}
